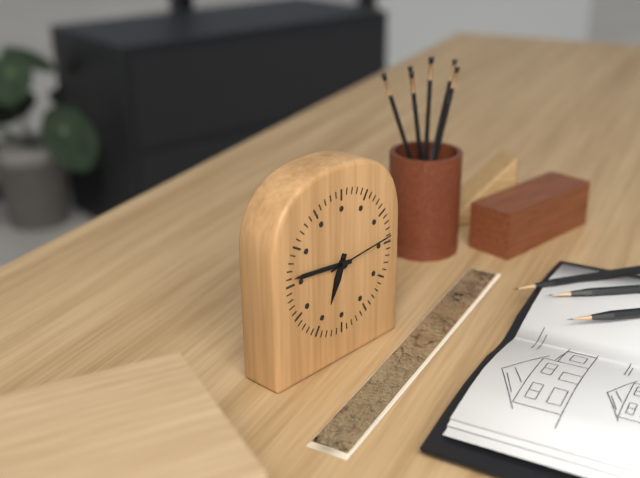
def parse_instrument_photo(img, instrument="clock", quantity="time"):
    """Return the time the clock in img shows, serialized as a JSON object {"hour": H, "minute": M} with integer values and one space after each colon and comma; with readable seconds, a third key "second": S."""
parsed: {"hour": 6, "minute": 46, "second": 14}
